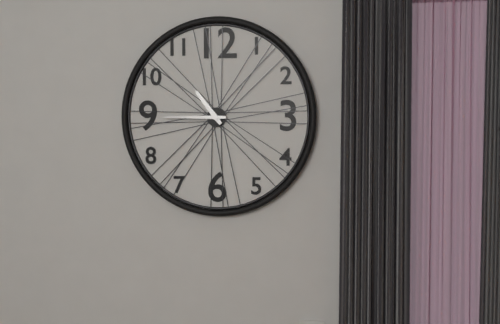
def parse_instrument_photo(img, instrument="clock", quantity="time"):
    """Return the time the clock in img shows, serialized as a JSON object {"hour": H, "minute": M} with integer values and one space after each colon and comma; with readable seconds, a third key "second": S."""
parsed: {"hour": 10, "minute": 45}
